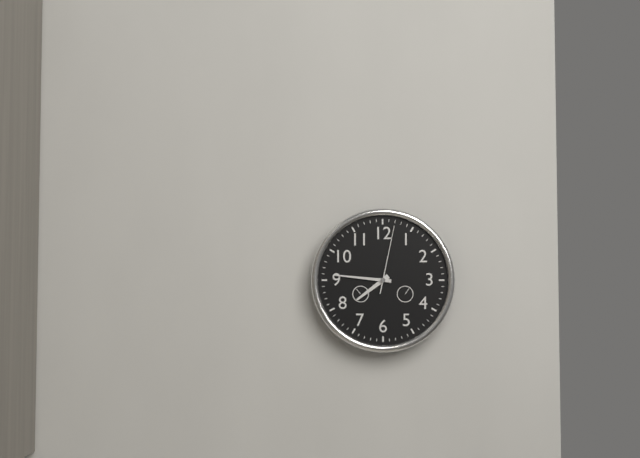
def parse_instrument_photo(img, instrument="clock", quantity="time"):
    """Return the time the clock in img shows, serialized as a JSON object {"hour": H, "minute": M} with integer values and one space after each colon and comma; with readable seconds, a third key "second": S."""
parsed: {"hour": 7, "minute": 46, "second": 2}
